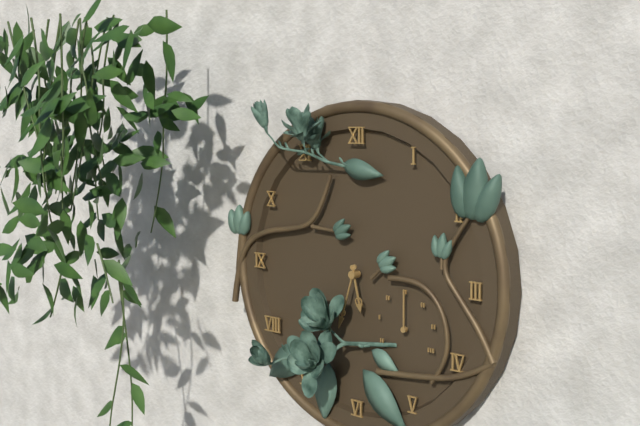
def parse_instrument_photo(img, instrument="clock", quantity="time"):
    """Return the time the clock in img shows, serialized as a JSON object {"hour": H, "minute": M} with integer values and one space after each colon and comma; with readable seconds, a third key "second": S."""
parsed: {"hour": 5, "minute": 33}
